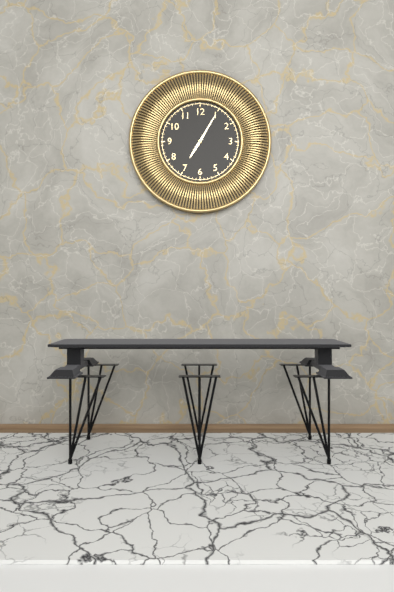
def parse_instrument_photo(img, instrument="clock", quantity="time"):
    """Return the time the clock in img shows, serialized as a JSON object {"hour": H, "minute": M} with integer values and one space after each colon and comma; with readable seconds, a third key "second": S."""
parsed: {"hour": 7, "minute": 5}
